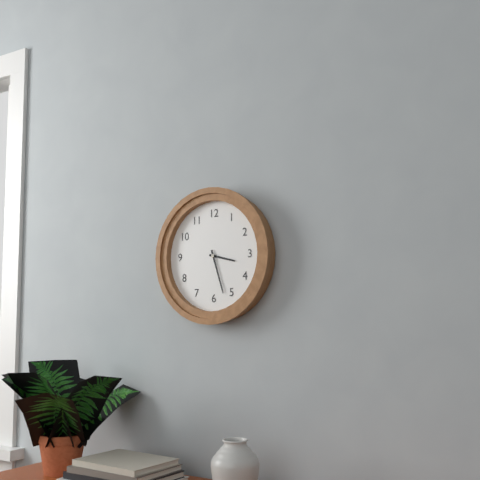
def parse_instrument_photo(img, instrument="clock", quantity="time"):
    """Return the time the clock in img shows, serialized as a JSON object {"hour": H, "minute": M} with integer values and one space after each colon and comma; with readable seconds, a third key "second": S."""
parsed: {"hour": 3, "minute": 27}
